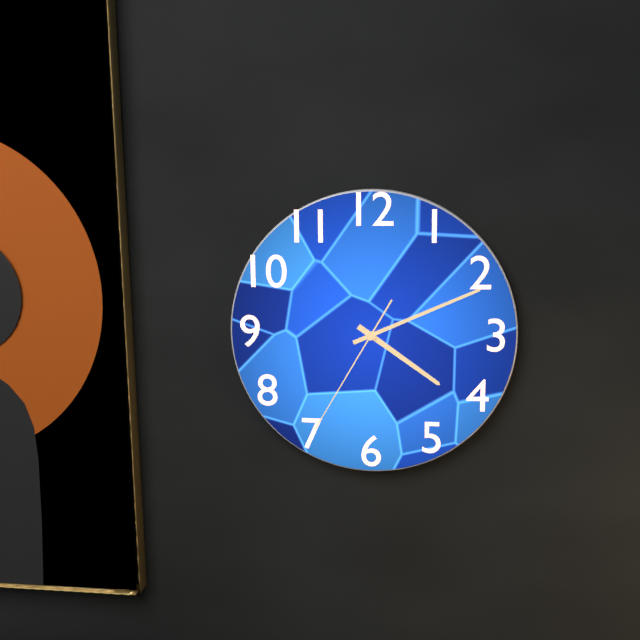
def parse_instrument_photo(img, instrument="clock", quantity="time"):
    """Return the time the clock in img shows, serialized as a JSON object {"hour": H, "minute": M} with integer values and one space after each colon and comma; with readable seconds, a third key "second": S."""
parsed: {"hour": 4, "minute": 11, "second": 35}
